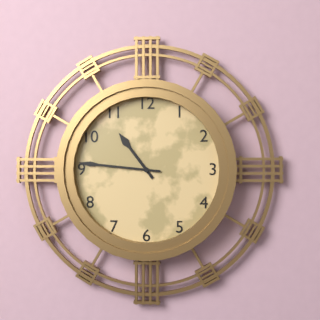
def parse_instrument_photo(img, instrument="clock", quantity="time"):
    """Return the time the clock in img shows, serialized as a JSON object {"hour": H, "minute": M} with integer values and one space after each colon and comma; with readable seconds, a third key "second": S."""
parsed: {"hour": 10, "minute": 46}
